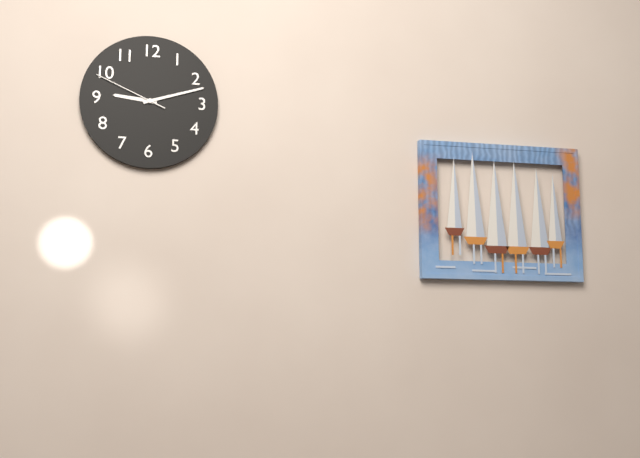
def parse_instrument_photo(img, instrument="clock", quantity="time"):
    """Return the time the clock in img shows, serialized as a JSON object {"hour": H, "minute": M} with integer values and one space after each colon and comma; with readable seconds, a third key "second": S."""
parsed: {"hour": 9, "minute": 12, "second": 49}
